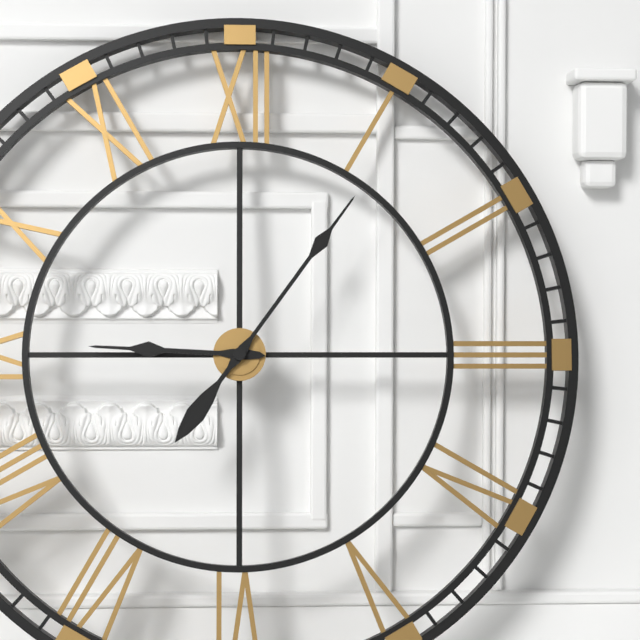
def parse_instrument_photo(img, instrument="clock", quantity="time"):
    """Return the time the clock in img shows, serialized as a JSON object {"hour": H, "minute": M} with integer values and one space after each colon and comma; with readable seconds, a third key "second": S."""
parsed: {"hour": 9, "minute": 6}
